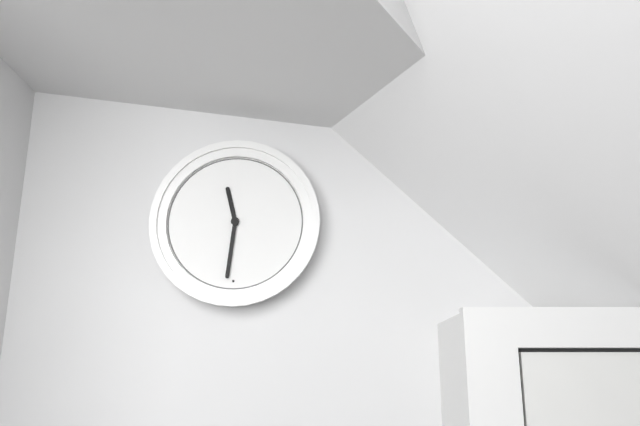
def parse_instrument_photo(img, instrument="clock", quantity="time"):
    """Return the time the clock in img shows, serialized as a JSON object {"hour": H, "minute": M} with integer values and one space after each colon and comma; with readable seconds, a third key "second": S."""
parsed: {"hour": 11, "minute": 31}
